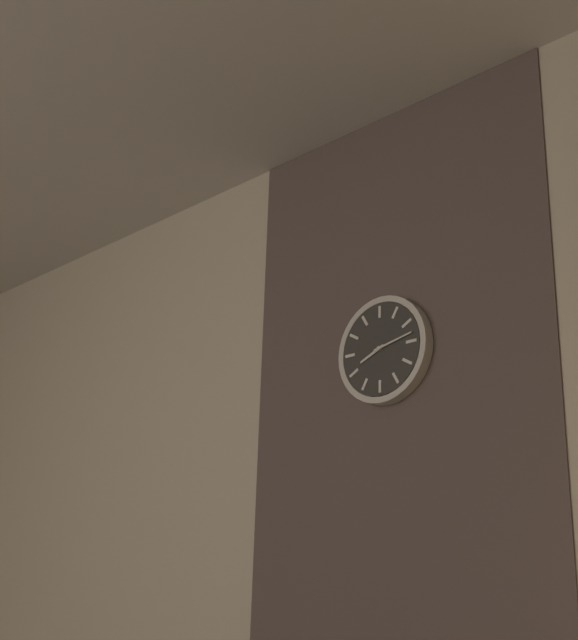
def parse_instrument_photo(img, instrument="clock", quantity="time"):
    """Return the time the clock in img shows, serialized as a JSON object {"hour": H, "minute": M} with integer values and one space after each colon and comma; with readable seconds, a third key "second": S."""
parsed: {"hour": 8, "minute": 13}
